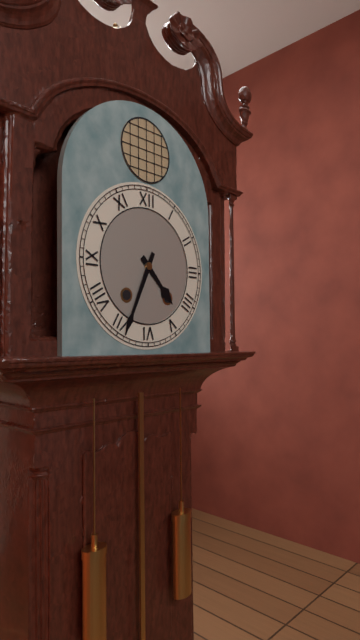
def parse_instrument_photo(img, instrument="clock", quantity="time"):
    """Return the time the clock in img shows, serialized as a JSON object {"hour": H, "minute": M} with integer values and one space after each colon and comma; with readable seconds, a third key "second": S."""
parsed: {"hour": 4, "minute": 34}
